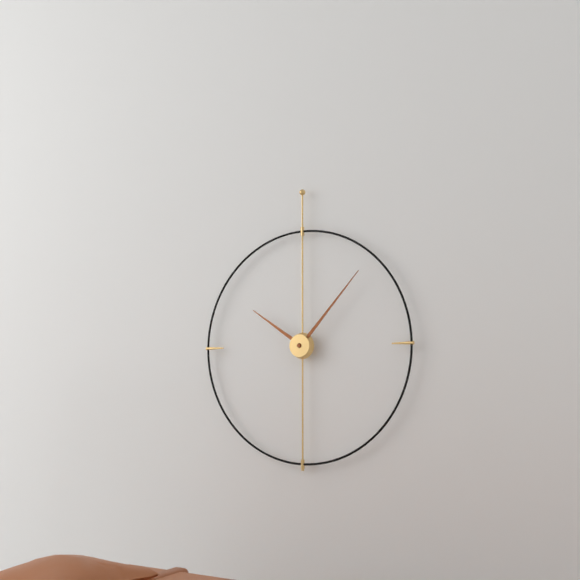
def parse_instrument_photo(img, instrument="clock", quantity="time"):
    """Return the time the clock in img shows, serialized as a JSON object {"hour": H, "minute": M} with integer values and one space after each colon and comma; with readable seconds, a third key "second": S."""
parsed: {"hour": 10, "minute": 7}
